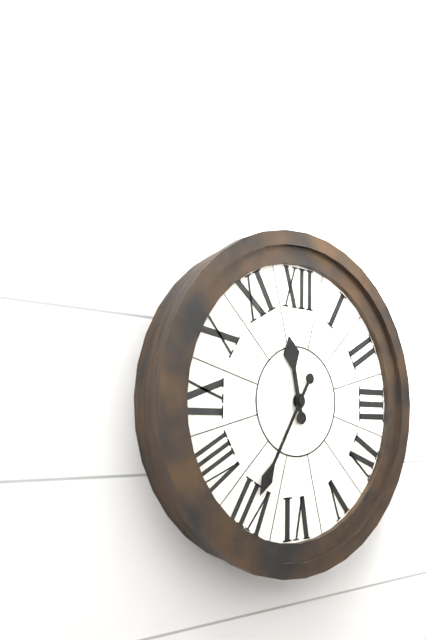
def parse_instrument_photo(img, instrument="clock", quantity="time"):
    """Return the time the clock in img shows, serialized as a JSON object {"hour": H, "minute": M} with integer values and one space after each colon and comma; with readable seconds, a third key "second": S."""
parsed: {"hour": 11, "minute": 35}
